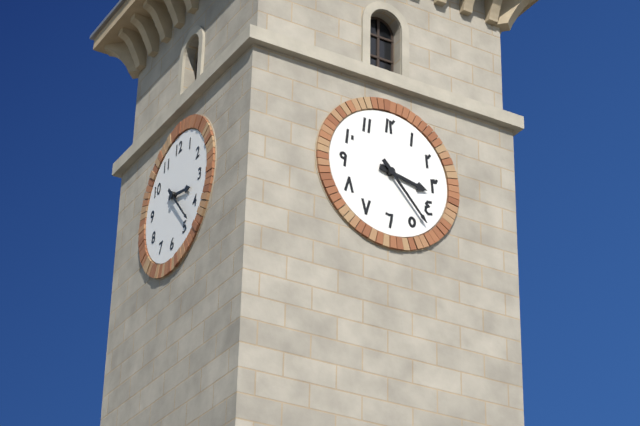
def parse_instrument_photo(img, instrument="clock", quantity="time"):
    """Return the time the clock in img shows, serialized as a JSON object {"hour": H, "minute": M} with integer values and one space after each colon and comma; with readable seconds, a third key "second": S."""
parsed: {"hour": 3, "minute": 23}
